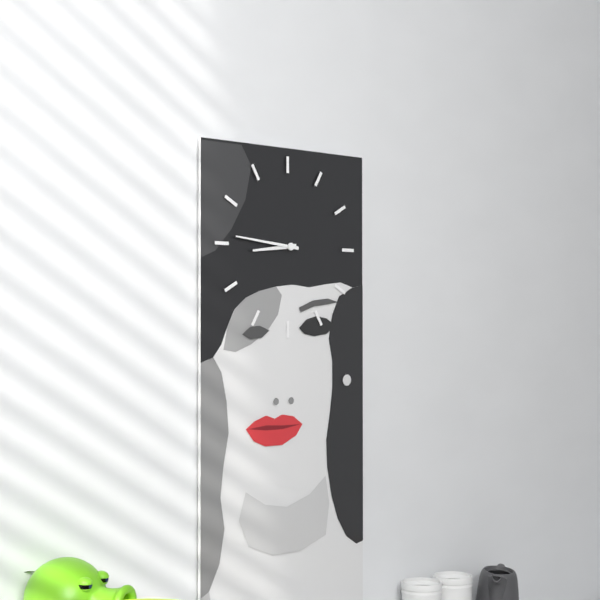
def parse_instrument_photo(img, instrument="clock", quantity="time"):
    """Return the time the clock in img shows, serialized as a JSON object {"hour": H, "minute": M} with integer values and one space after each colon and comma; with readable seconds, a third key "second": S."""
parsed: {"hour": 8, "minute": 46}
